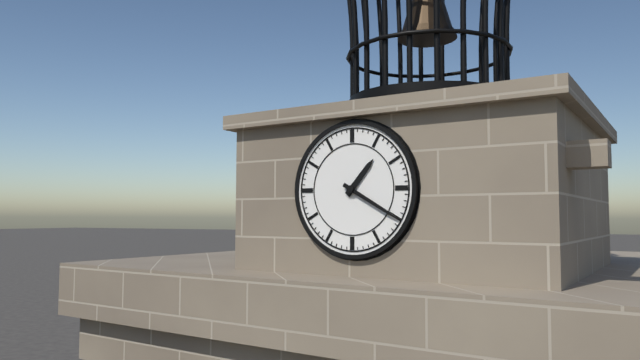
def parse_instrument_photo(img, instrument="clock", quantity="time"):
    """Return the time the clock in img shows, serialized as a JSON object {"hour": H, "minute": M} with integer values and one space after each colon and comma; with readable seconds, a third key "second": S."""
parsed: {"hour": 1, "minute": 20}
